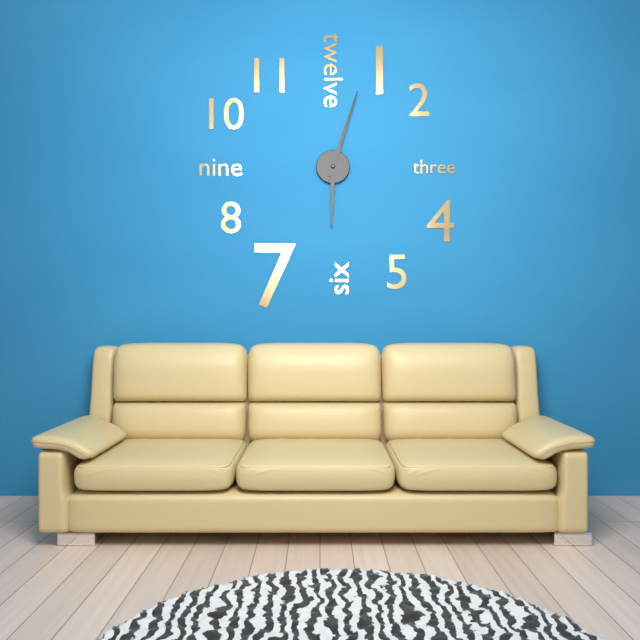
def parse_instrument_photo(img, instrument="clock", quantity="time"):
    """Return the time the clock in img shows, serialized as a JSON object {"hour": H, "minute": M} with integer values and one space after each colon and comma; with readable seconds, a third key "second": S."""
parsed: {"hour": 6, "minute": 3}
